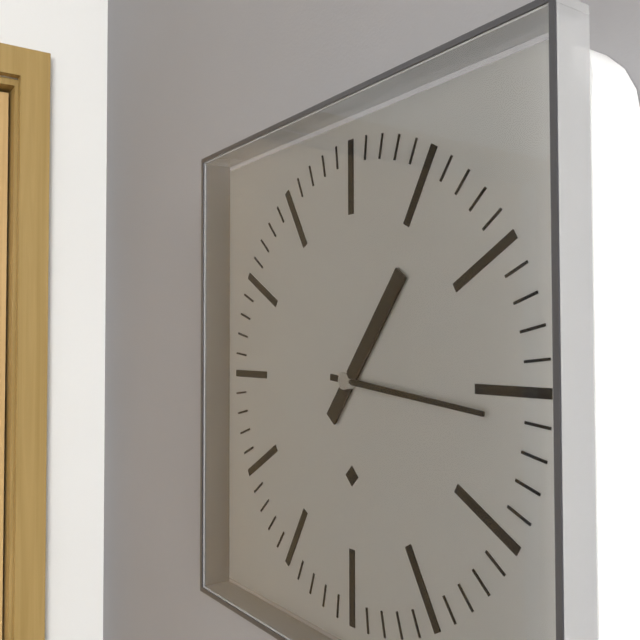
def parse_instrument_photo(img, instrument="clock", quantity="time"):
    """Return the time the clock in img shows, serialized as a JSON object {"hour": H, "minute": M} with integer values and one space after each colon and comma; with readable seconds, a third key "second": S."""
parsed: {"hour": 1, "minute": 16}
